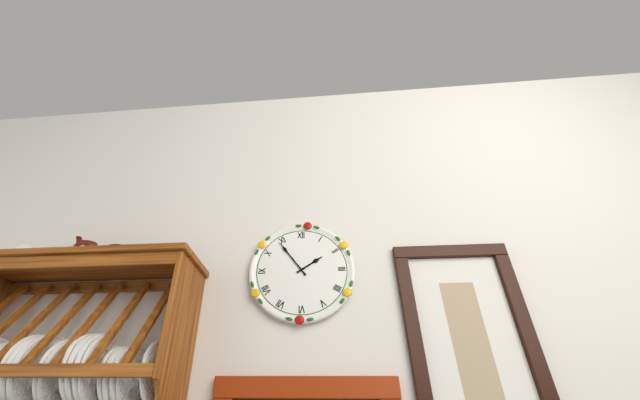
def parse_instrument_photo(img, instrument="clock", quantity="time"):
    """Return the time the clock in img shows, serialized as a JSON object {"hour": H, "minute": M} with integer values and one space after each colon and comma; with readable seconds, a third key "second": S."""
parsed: {"hour": 1, "minute": 54}
